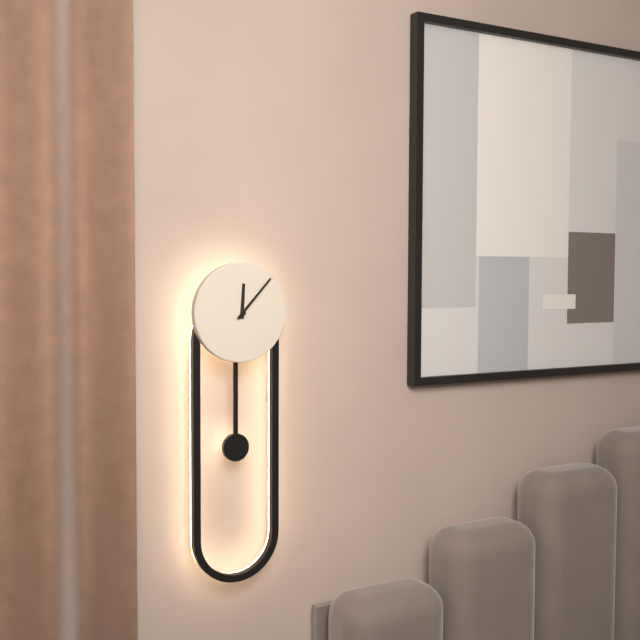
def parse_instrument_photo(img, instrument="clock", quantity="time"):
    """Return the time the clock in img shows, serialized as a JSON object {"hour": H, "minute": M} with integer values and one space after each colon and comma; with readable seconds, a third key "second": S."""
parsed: {"hour": 12, "minute": 7}
